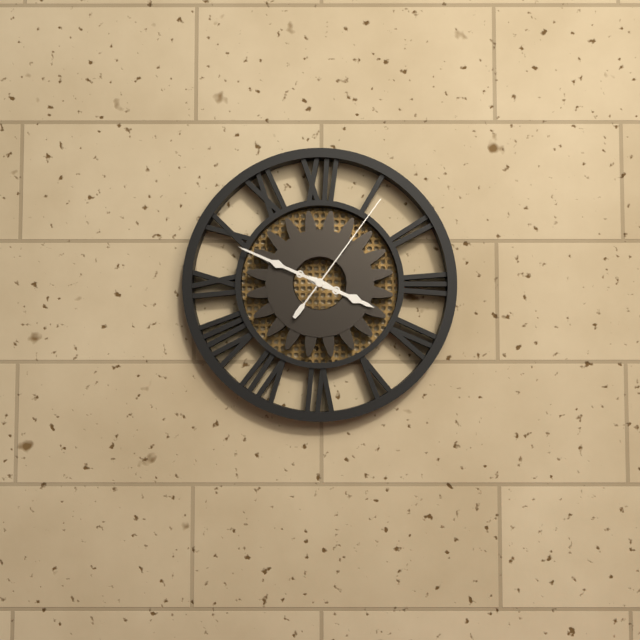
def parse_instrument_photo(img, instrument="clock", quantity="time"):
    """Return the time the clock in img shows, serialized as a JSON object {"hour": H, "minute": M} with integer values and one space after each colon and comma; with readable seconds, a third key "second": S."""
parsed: {"hour": 3, "minute": 49, "second": 6}
